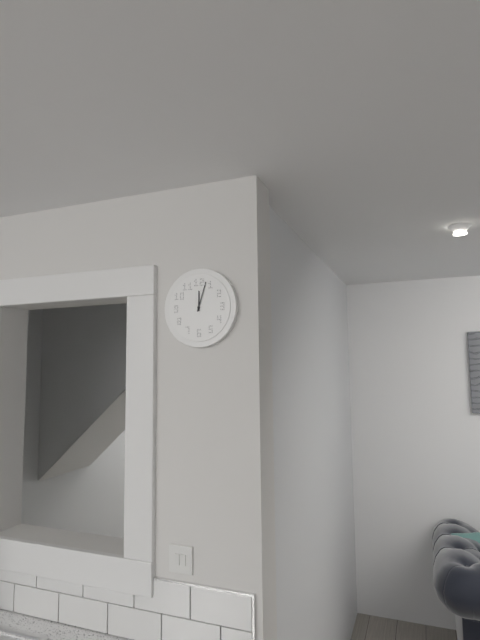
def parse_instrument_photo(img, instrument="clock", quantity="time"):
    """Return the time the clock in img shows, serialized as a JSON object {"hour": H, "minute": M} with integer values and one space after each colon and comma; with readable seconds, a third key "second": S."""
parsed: {"hour": 12, "minute": 3}
